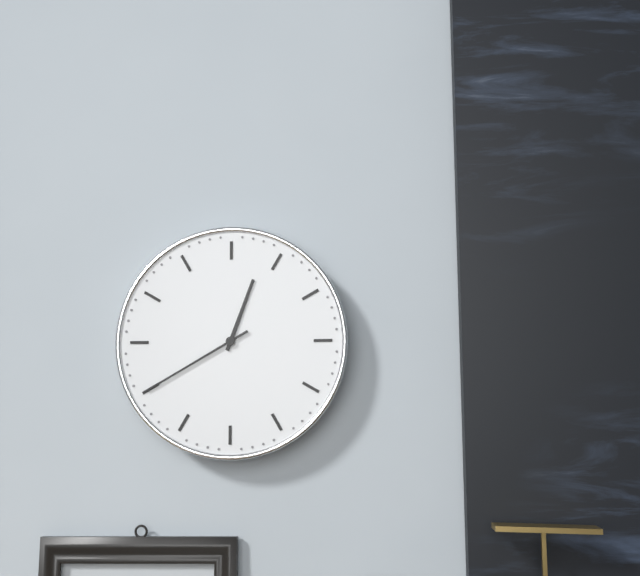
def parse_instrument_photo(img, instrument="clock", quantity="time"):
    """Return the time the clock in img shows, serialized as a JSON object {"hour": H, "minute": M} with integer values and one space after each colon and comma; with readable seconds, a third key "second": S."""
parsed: {"hour": 12, "minute": 40}
